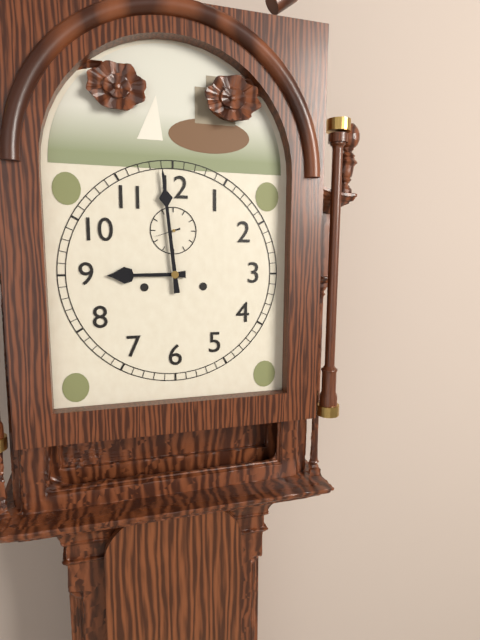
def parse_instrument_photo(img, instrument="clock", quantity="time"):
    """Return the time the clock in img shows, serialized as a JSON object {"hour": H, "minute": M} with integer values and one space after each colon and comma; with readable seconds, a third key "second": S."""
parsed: {"hour": 8, "minute": 59}
